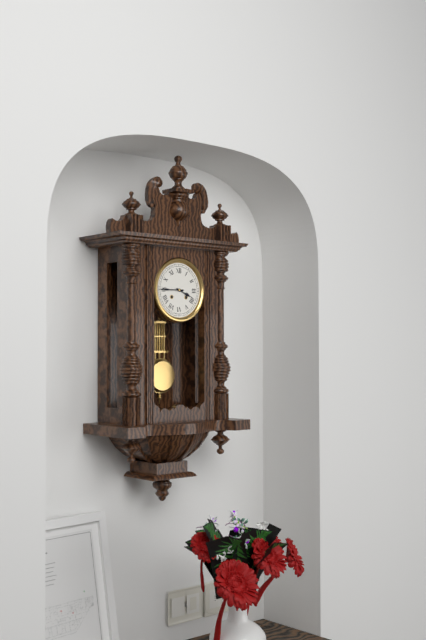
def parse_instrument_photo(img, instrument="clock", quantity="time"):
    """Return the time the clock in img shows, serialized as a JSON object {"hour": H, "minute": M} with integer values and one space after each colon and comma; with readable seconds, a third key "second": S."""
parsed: {"hour": 3, "minute": 45}
